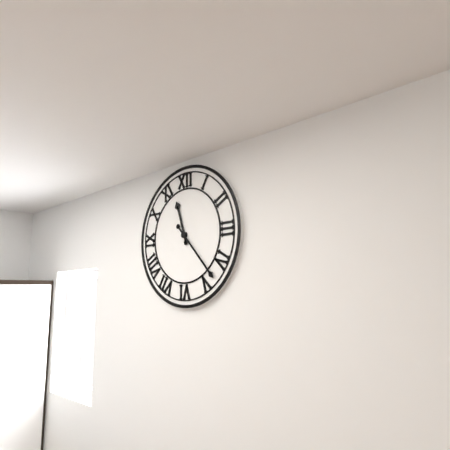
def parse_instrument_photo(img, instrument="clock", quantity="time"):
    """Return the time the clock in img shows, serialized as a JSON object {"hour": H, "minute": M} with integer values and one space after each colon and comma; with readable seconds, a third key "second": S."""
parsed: {"hour": 11, "minute": 23}
